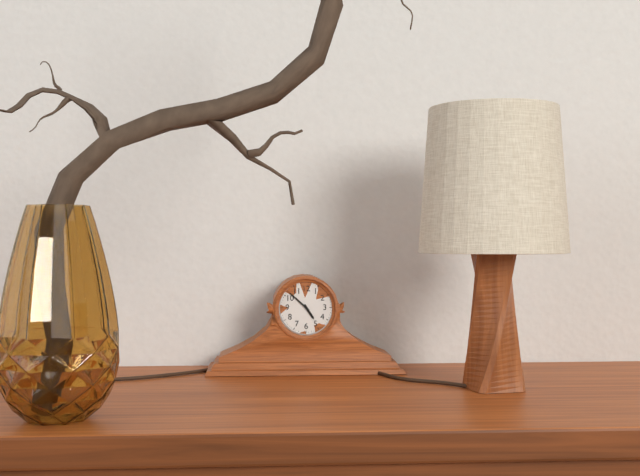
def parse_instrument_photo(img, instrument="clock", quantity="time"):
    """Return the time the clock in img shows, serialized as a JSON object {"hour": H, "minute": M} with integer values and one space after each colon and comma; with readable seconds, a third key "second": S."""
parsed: {"hour": 4, "minute": 52}
